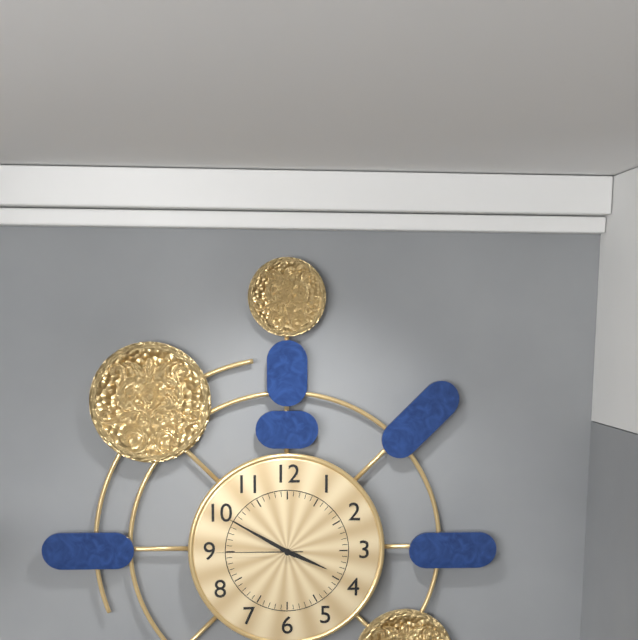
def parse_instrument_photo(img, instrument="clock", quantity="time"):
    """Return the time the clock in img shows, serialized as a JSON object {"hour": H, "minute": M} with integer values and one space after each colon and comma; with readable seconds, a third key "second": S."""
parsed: {"hour": 3, "minute": 50, "second": 45}
